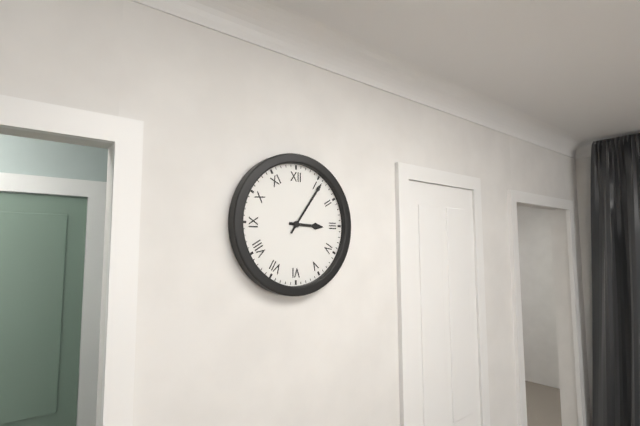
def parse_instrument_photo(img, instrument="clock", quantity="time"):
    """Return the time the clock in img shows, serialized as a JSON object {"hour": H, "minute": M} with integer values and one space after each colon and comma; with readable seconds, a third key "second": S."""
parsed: {"hour": 3, "minute": 6}
